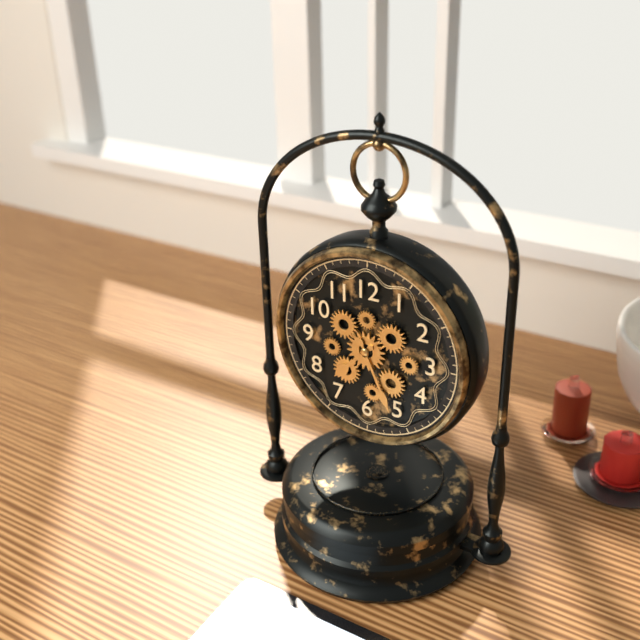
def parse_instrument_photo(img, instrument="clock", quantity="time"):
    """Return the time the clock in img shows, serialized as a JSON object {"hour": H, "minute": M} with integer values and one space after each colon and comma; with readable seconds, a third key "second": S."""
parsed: {"hour": 7, "minute": 26}
